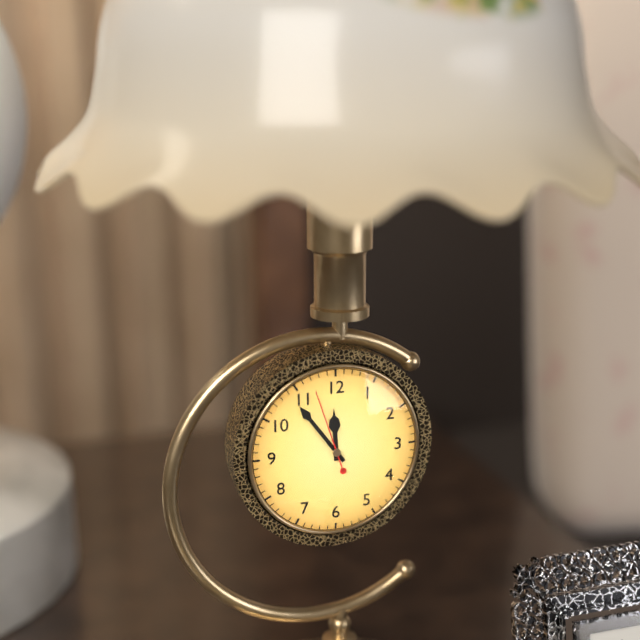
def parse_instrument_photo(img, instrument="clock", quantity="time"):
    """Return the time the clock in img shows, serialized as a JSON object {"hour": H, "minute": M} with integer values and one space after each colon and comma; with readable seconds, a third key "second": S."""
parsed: {"hour": 11, "minute": 54, "second": 57}
